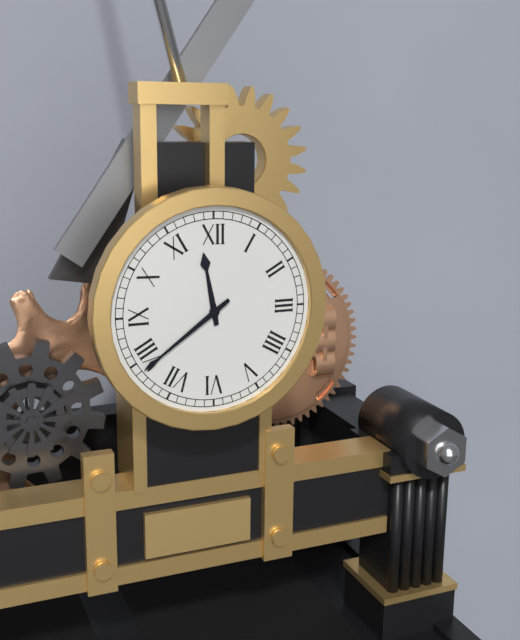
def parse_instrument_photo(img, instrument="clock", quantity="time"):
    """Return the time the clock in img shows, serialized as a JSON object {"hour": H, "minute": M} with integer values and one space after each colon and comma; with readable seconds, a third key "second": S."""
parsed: {"hour": 11, "minute": 39}
